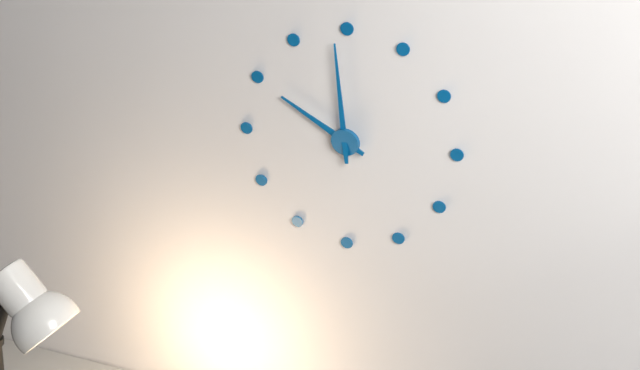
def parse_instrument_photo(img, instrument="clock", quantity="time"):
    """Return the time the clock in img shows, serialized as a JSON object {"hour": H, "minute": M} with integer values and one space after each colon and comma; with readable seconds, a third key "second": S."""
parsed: {"hour": 9, "minute": 59}
